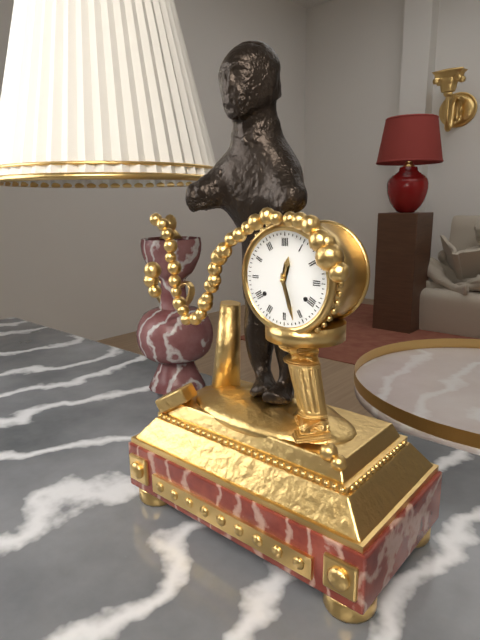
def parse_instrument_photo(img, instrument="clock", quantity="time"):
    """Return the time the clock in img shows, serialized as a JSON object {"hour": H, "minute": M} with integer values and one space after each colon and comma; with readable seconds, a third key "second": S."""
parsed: {"hour": 12, "minute": 27}
